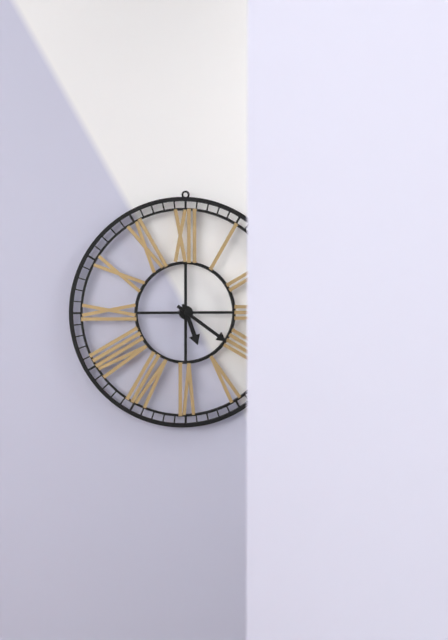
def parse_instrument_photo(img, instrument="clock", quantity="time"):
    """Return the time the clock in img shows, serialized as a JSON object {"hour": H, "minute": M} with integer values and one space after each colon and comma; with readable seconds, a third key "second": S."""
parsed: {"hour": 5, "minute": 21}
